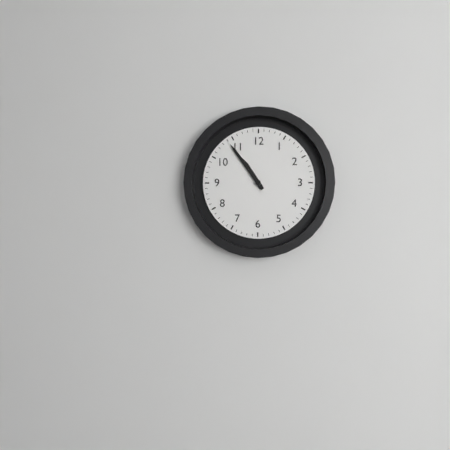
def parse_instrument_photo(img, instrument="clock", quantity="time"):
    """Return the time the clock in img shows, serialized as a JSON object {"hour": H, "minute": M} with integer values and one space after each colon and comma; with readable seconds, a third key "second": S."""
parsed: {"hour": 10, "minute": 54}
